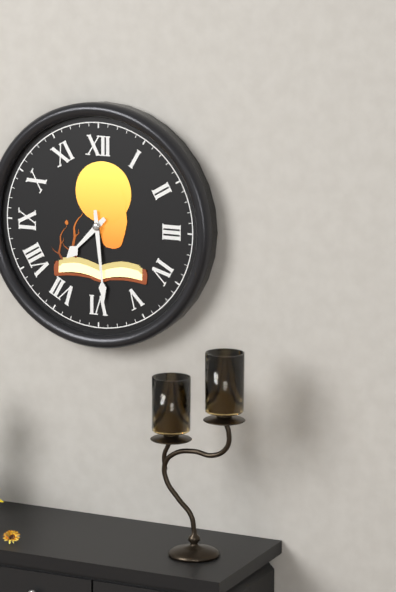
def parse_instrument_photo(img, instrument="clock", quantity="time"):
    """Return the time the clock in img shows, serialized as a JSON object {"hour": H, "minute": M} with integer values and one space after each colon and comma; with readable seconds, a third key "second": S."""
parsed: {"hour": 7, "minute": 29}
